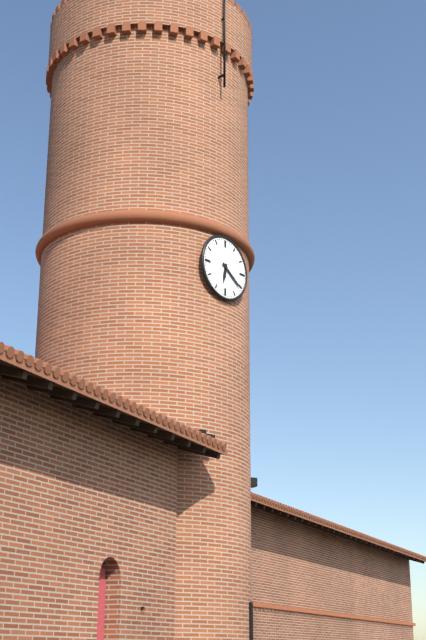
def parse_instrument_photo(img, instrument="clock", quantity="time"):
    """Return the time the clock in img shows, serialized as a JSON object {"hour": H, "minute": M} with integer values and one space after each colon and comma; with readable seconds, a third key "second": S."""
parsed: {"hour": 6, "minute": 21}
